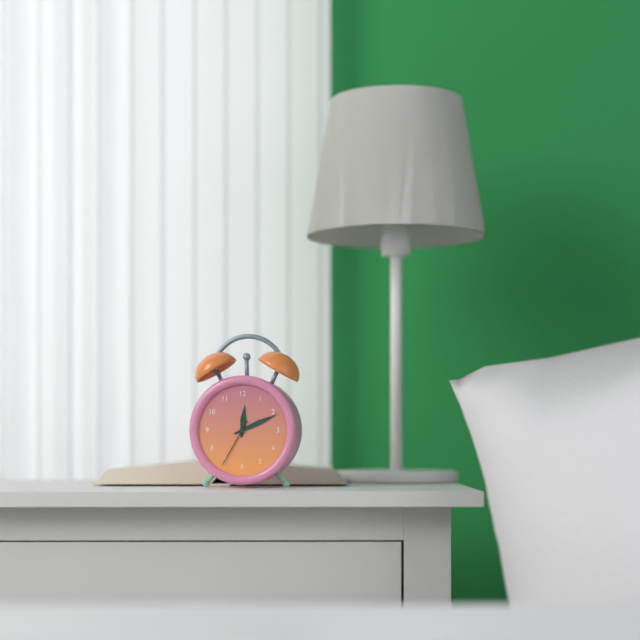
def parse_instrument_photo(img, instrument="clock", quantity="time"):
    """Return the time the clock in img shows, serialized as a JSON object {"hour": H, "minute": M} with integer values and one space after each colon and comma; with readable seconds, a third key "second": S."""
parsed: {"hour": 12, "minute": 11, "second": 35}
